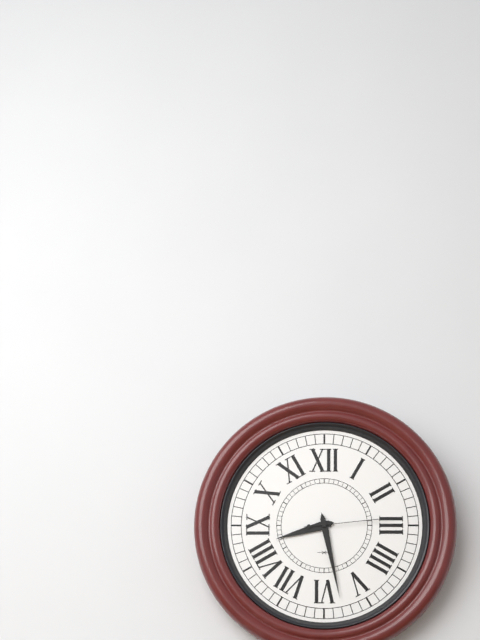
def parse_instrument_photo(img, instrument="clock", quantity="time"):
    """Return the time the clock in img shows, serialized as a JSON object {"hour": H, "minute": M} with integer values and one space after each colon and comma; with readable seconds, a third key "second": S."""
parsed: {"hour": 8, "minute": 28, "second": 14}
